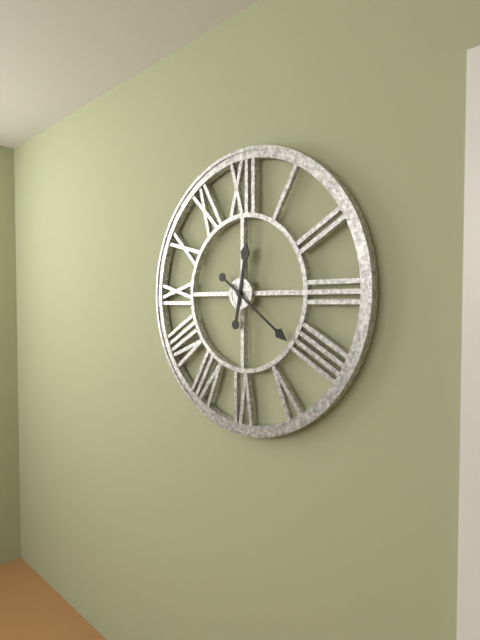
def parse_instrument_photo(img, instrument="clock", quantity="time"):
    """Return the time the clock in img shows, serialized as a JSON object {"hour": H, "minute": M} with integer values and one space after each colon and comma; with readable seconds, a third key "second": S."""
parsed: {"hour": 12, "minute": 21}
